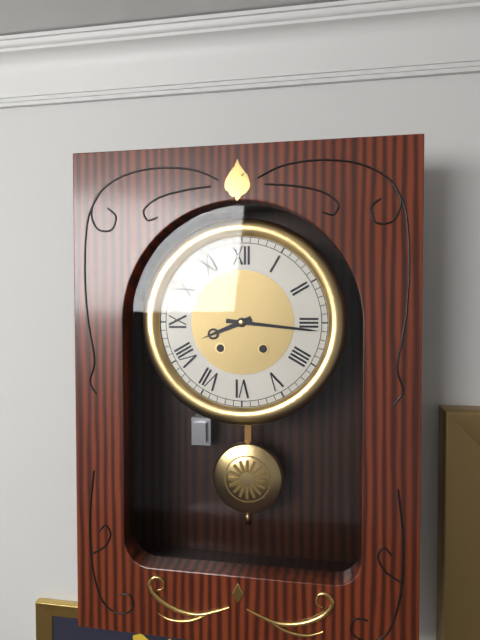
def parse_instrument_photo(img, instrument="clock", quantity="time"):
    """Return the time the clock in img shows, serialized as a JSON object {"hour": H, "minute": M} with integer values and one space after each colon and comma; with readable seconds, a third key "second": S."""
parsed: {"hour": 8, "minute": 16}
